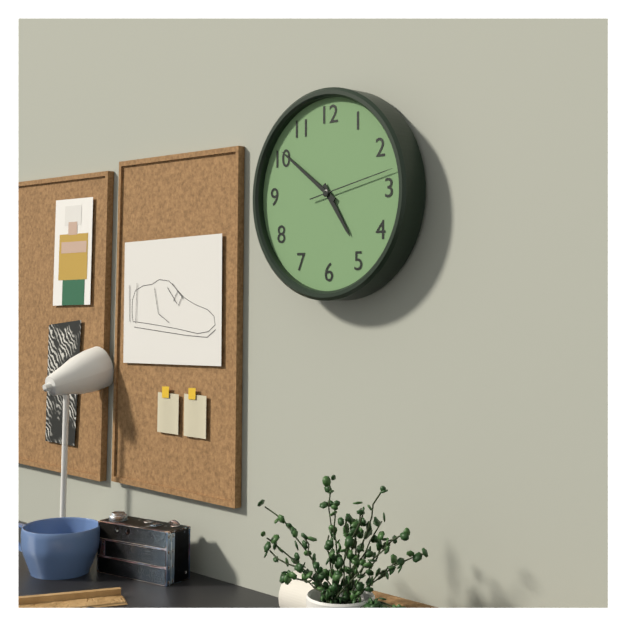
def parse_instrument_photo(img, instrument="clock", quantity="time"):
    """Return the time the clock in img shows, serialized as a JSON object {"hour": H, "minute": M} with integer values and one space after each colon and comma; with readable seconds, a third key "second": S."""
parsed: {"hour": 4, "minute": 51, "second": 13}
